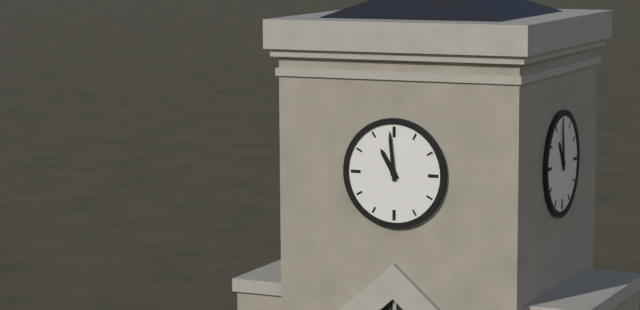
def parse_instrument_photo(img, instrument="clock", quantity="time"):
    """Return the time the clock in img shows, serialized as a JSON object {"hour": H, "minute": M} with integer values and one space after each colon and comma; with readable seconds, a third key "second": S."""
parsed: {"hour": 10, "minute": 59}
